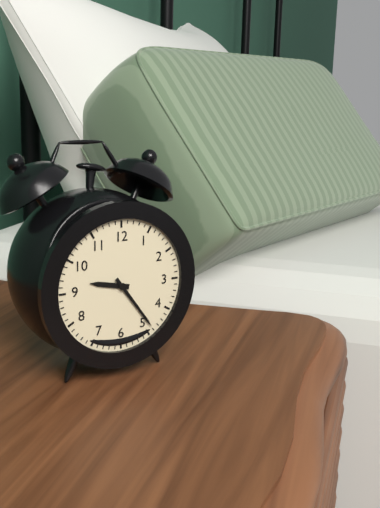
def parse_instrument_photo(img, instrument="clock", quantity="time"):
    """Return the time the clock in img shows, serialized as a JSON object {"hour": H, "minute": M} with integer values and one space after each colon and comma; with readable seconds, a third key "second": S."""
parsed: {"hour": 9, "minute": 24}
